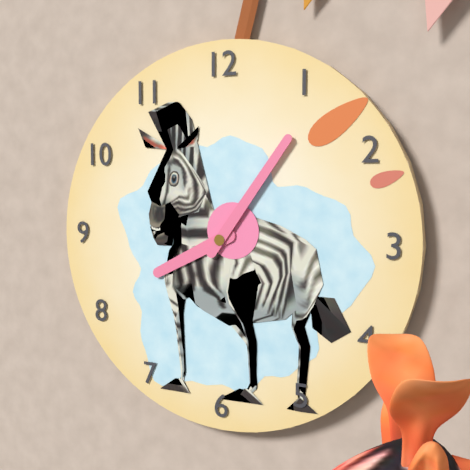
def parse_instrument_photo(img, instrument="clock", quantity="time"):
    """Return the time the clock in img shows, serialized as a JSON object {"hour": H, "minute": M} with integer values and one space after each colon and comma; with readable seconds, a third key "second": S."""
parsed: {"hour": 8, "minute": 6}
